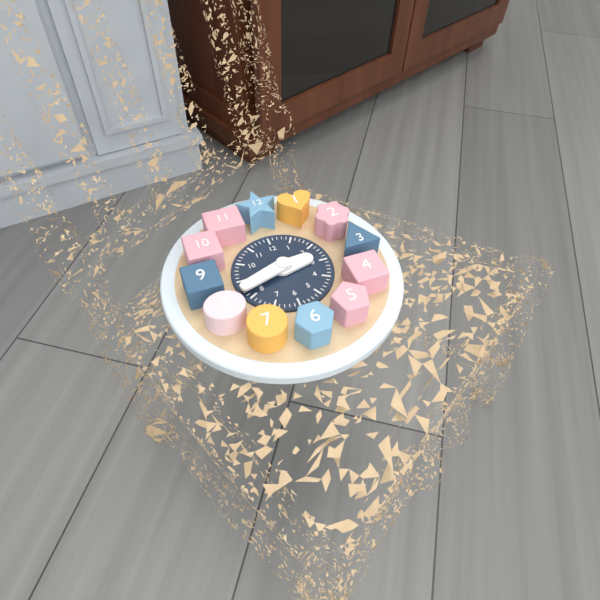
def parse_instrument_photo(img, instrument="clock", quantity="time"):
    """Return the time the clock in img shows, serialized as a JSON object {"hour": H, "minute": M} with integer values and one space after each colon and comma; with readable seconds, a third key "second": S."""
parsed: {"hour": 2, "minute": 42}
